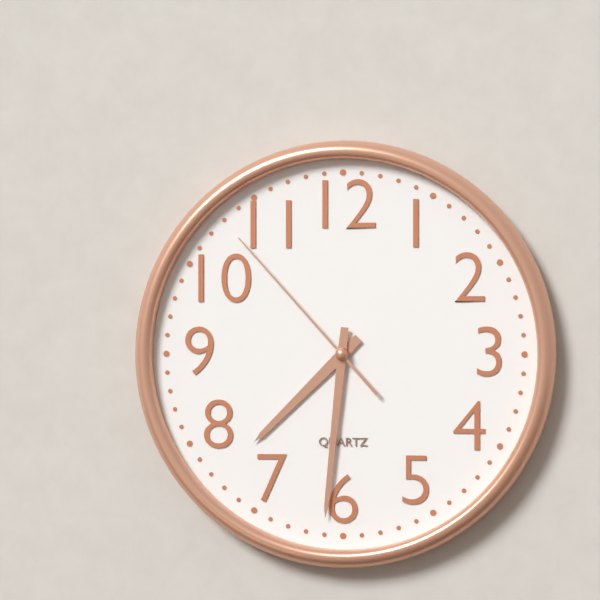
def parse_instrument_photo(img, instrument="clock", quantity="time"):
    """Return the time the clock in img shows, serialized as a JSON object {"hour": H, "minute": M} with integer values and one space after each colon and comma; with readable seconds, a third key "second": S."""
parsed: {"hour": 7, "minute": 31, "second": 53}
